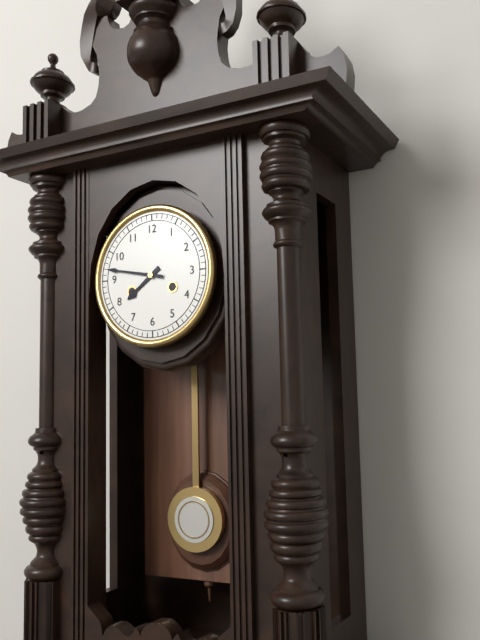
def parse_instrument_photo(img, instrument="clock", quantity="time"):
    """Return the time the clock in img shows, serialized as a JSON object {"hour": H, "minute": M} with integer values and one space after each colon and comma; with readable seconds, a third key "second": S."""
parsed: {"hour": 7, "minute": 47}
